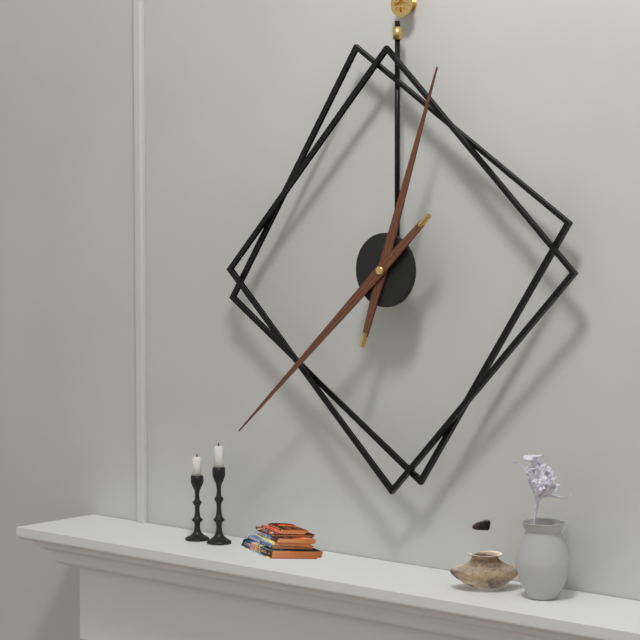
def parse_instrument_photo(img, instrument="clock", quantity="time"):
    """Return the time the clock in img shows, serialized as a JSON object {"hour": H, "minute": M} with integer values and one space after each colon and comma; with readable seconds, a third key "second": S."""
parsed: {"hour": 12, "minute": 38}
